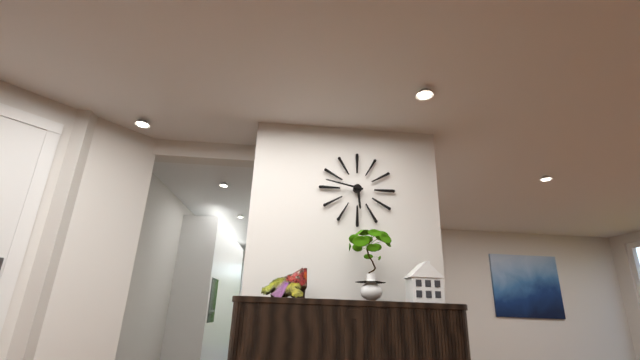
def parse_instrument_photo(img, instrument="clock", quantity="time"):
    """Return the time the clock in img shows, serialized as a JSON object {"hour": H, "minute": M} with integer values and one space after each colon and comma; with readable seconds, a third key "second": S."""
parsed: {"hour": 5, "minute": 47}
